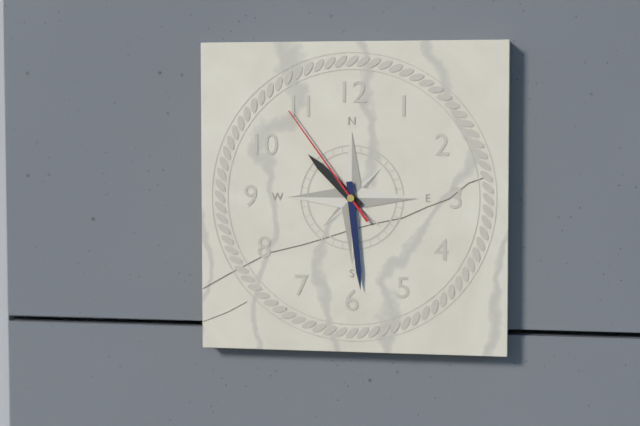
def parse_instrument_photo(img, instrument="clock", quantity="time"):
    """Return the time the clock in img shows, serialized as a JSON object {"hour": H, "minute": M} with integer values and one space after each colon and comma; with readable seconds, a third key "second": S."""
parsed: {"hour": 10, "minute": 29, "second": 54}
